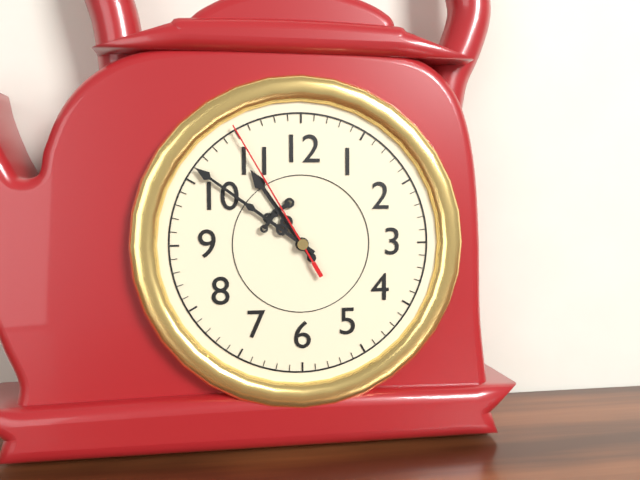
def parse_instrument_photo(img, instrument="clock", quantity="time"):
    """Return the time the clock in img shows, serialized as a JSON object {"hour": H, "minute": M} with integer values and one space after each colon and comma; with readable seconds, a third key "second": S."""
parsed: {"hour": 10, "minute": 51, "second": 55}
